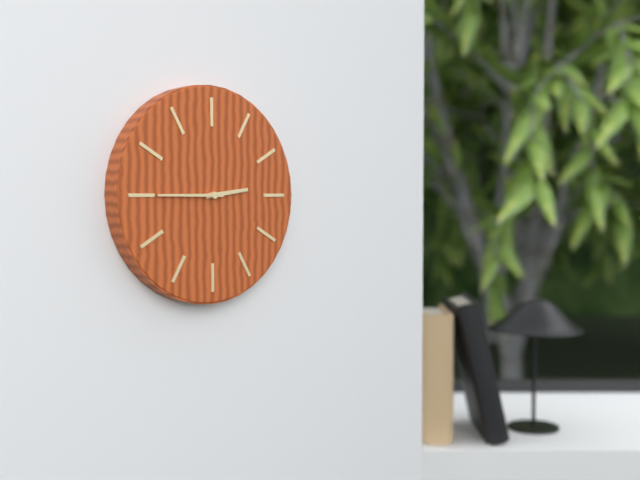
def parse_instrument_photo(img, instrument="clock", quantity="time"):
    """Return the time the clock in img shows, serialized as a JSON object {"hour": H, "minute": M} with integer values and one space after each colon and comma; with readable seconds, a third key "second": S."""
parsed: {"hour": 2, "minute": 45}
